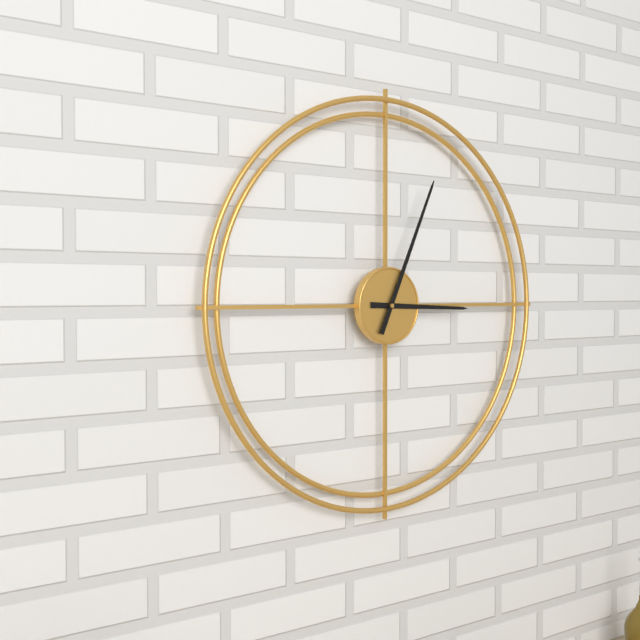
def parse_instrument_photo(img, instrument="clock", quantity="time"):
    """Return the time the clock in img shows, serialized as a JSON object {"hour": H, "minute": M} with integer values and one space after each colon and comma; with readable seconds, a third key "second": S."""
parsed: {"hour": 3, "minute": 4}
